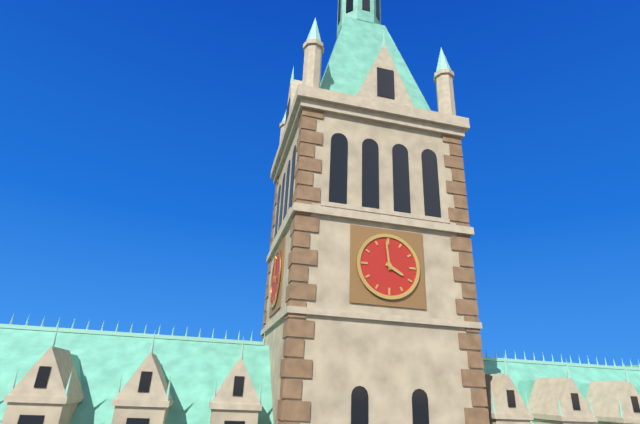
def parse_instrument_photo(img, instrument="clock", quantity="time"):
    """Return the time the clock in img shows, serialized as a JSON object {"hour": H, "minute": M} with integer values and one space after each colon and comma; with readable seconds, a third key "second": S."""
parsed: {"hour": 3, "minute": 59}
